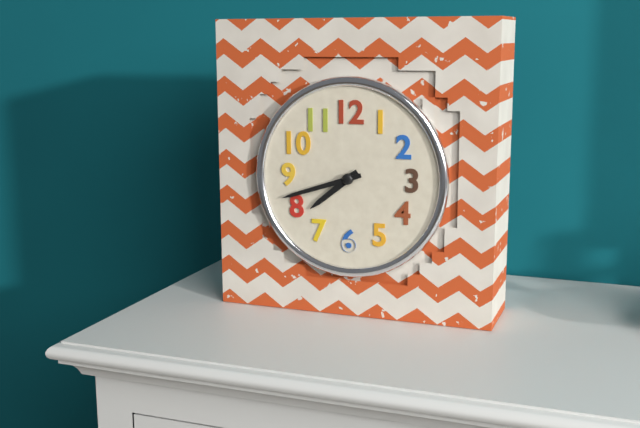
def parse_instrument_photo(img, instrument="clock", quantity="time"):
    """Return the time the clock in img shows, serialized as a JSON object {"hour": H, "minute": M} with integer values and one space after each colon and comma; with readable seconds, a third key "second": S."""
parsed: {"hour": 7, "minute": 42}
